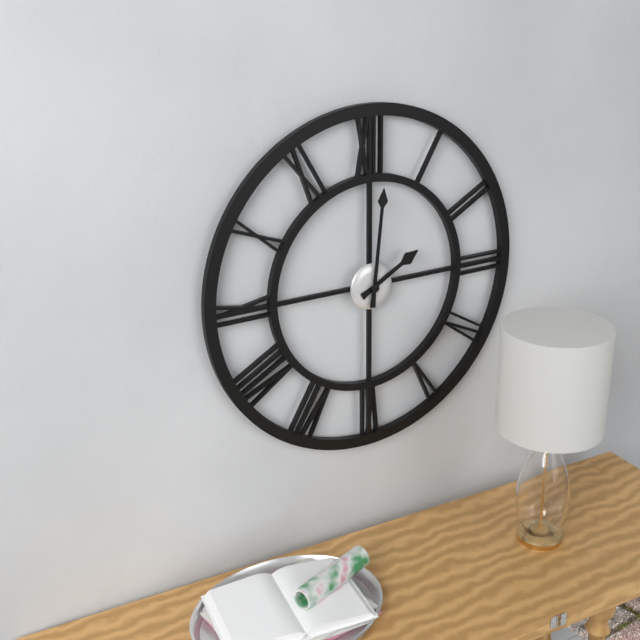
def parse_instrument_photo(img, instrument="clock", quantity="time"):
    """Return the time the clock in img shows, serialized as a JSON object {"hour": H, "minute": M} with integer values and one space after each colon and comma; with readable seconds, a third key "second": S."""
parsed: {"hour": 2, "minute": 1}
